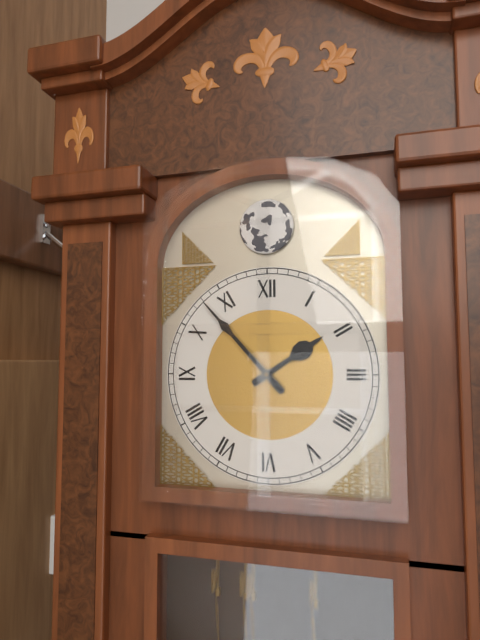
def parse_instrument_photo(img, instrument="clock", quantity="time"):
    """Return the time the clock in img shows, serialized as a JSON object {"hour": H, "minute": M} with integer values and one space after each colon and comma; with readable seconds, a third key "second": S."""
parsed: {"hour": 1, "minute": 53}
